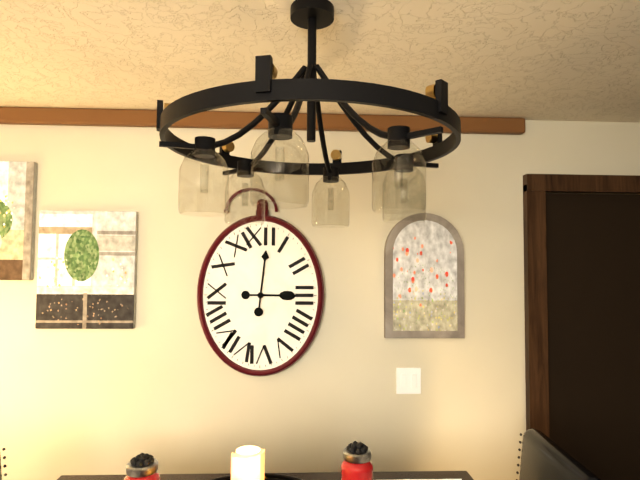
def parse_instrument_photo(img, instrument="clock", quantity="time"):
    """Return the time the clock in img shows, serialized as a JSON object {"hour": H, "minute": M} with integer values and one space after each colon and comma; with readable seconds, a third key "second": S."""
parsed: {"hour": 3, "minute": 1}
